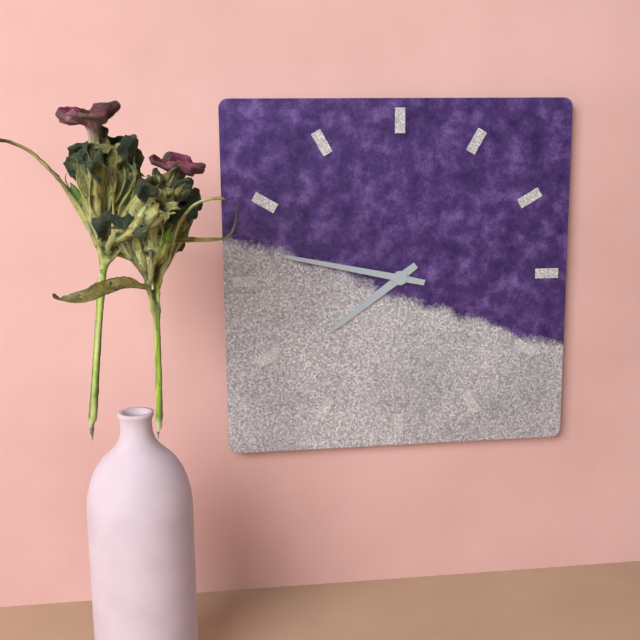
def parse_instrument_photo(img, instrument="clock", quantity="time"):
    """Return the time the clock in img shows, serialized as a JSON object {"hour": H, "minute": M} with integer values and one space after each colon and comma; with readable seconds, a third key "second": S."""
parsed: {"hour": 7, "minute": 47}
